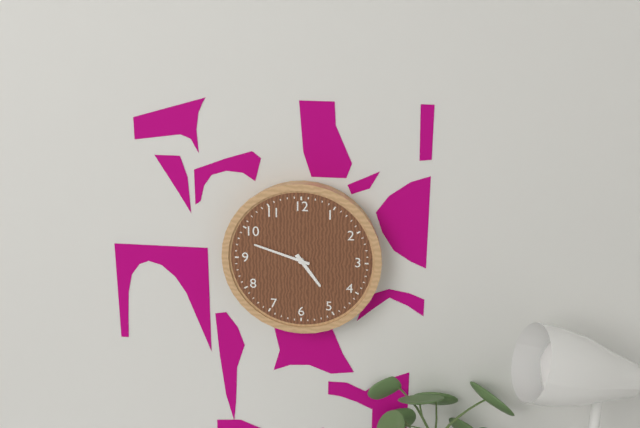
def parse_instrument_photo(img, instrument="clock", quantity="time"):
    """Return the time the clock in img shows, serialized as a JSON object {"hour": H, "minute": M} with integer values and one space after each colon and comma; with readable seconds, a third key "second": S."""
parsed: {"hour": 4, "minute": 48}
